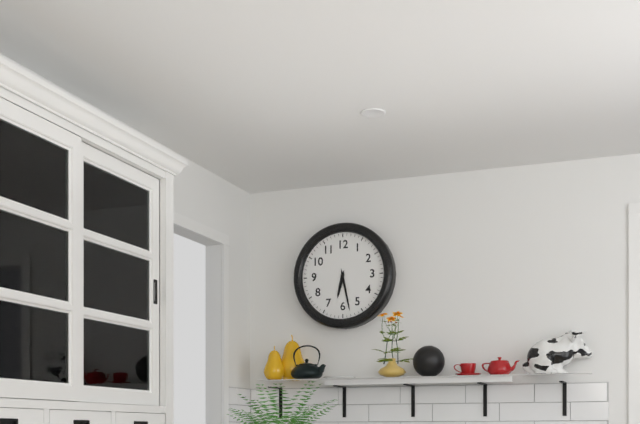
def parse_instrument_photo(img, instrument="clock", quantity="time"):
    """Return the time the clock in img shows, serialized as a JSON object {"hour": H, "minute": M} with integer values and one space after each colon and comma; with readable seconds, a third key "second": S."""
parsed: {"hour": 6, "minute": 28}
